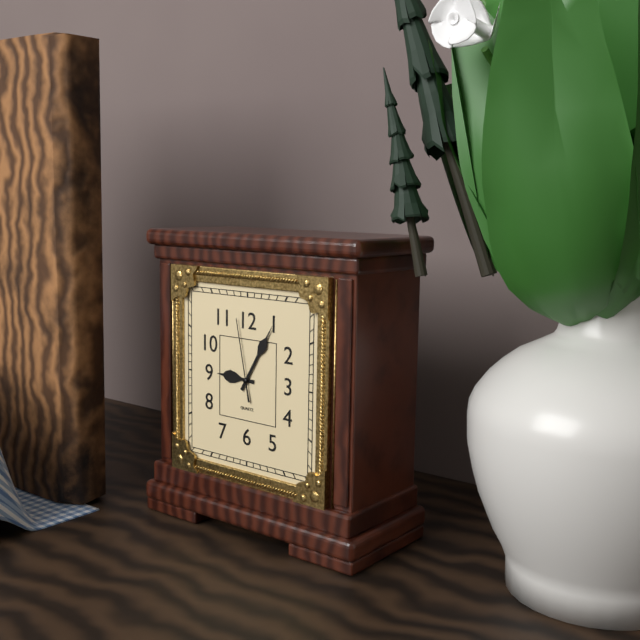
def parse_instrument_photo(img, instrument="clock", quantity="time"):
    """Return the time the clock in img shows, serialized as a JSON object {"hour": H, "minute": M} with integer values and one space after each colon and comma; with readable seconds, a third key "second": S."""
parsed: {"hour": 9, "minute": 5, "second": 58}
